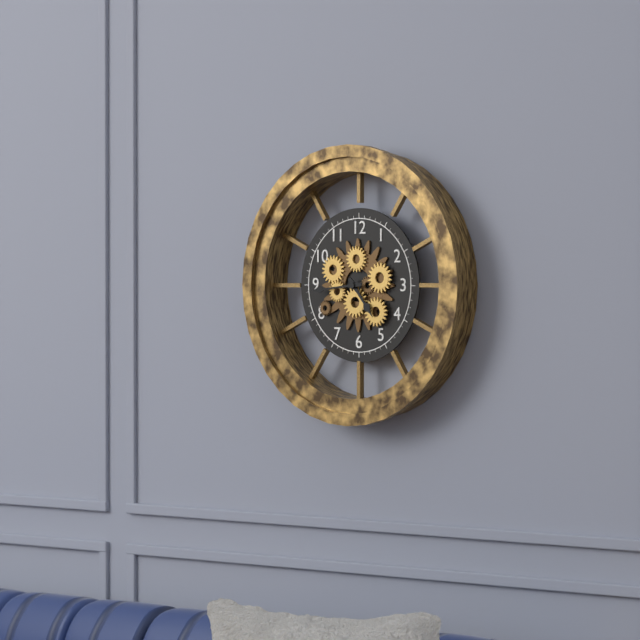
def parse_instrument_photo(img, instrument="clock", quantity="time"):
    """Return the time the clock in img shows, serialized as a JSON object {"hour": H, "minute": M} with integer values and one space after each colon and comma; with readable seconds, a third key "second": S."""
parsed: {"hour": 4, "minute": 44}
